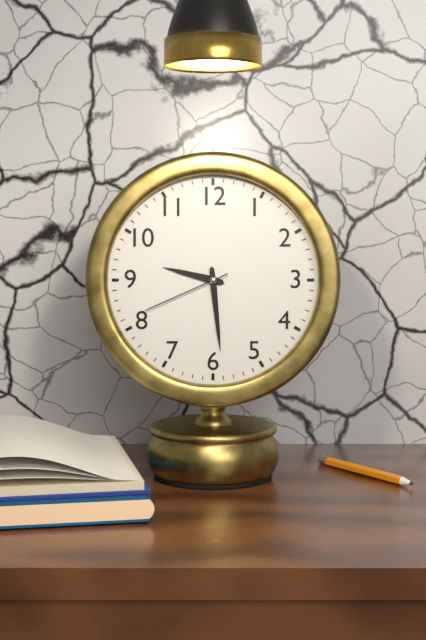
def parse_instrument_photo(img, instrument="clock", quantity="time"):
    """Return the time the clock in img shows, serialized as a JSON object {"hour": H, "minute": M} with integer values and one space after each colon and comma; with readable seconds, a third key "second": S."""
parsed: {"hour": 9, "minute": 29, "second": 41}
